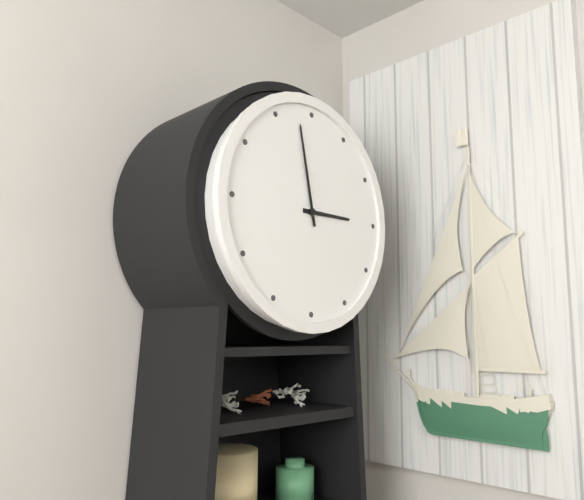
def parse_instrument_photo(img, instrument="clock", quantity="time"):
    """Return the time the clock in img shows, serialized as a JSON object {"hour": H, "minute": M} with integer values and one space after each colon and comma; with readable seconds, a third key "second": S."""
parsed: {"hour": 2, "minute": 58}
